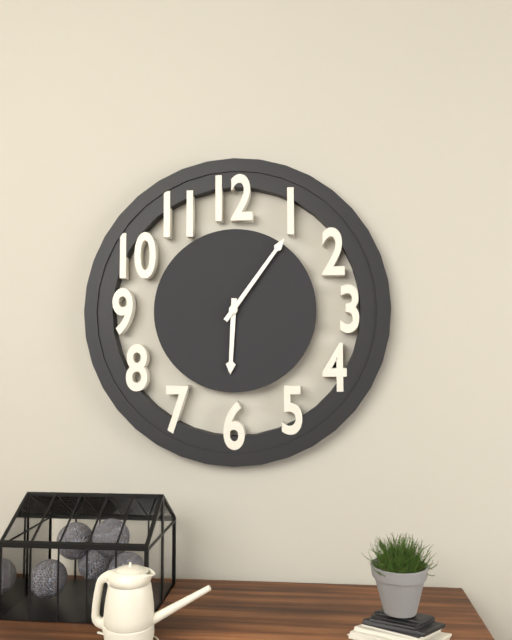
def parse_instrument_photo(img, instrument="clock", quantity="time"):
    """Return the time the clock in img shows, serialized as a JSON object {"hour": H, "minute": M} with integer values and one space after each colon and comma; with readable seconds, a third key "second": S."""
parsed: {"hour": 6, "minute": 6}
